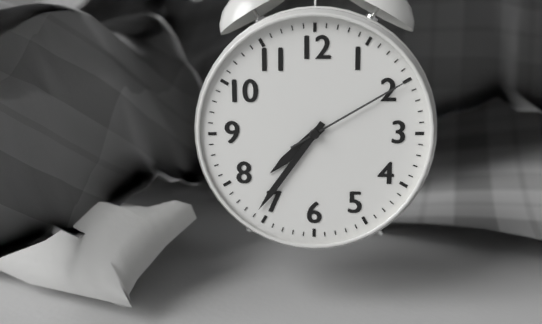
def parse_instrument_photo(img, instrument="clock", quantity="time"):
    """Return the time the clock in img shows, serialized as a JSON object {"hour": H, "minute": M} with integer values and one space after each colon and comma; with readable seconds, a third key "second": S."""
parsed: {"hour": 7, "minute": 36, "second": 10}
